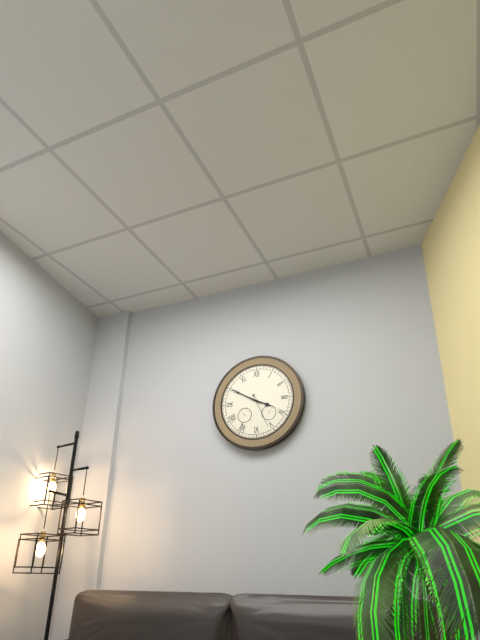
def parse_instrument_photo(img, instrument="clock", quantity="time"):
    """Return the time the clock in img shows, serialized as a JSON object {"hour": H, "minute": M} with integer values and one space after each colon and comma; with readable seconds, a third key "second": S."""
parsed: {"hour": 3, "minute": 50}
